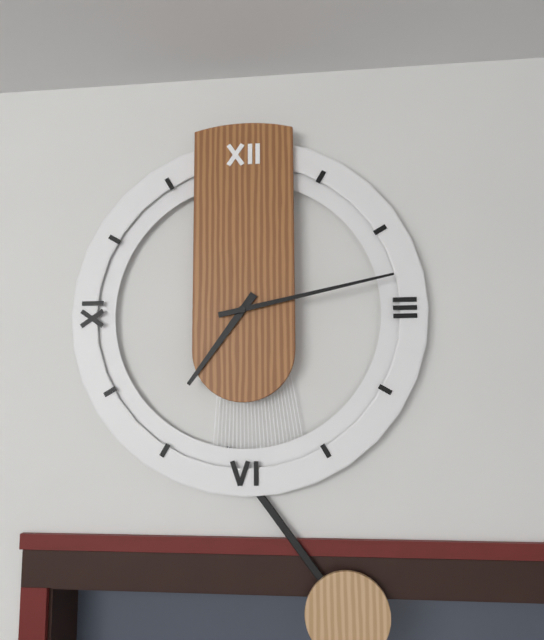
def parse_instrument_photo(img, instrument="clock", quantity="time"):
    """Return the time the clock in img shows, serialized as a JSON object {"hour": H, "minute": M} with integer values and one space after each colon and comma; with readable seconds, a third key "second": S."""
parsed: {"hour": 7, "minute": 13}
